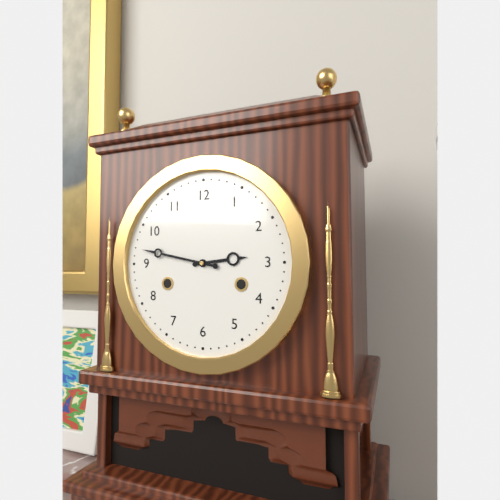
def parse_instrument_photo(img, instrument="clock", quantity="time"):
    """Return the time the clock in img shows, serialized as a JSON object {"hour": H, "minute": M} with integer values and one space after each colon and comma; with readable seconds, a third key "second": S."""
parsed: {"hour": 2, "minute": 47}
